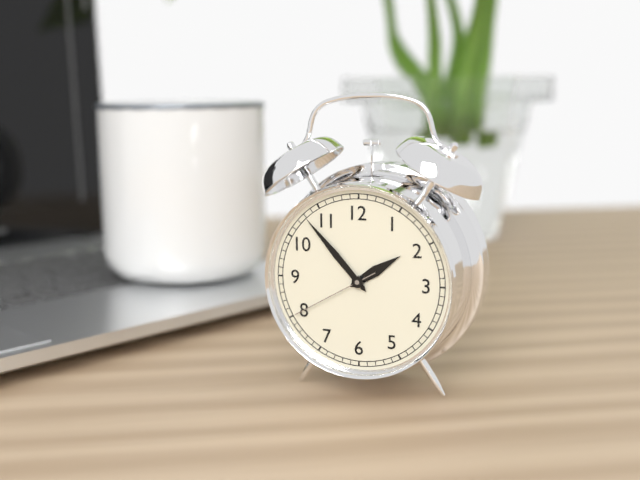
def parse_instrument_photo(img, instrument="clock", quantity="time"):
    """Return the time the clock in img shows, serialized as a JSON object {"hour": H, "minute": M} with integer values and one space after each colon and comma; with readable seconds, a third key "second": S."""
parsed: {"hour": 1, "minute": 53, "second": 40}
